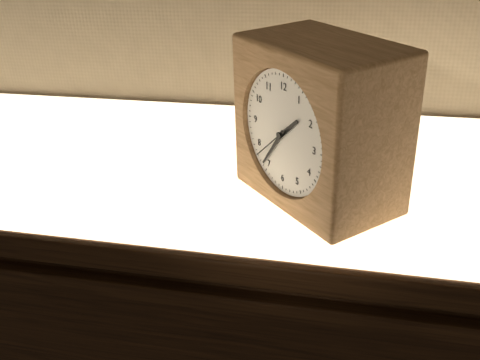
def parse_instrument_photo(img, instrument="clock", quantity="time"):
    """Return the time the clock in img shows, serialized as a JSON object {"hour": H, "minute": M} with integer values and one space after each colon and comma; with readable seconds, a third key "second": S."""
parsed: {"hour": 1, "minute": 36}
